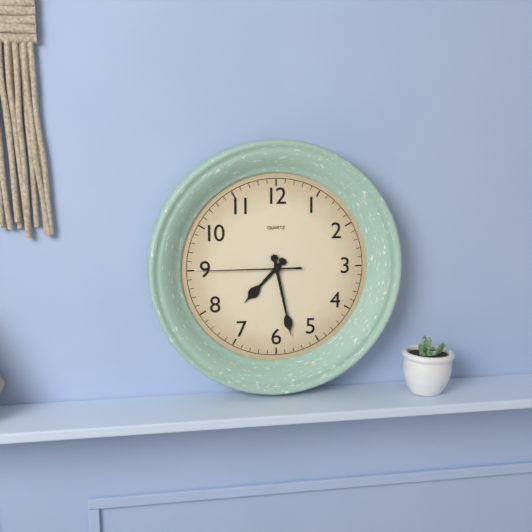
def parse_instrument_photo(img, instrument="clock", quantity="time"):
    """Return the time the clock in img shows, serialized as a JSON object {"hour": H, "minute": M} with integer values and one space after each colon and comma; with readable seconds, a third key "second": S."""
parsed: {"hour": 7, "minute": 28, "second": 45}
